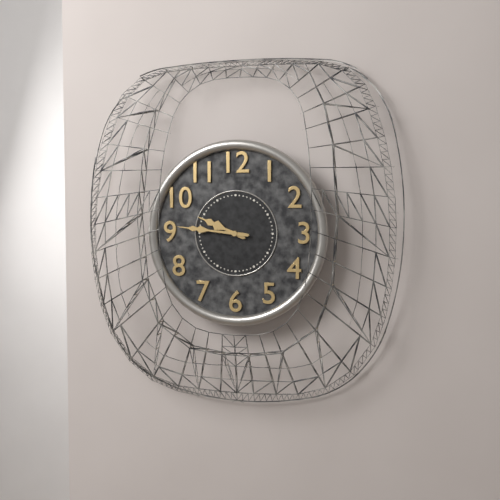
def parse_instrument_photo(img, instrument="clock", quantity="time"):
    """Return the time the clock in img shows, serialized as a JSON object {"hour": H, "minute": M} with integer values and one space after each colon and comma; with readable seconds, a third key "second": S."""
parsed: {"hour": 9, "minute": 46}
